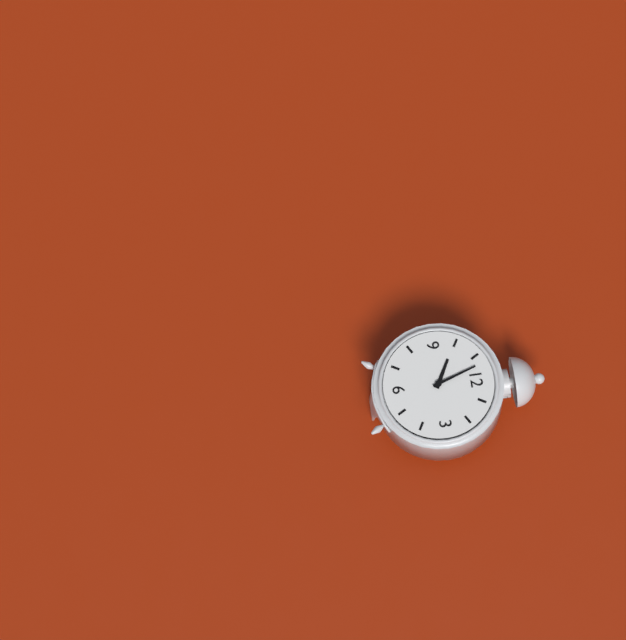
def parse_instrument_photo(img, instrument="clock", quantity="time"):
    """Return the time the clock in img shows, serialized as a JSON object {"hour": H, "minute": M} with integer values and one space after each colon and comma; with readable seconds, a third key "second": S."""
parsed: {"hour": 9, "minute": 57}
